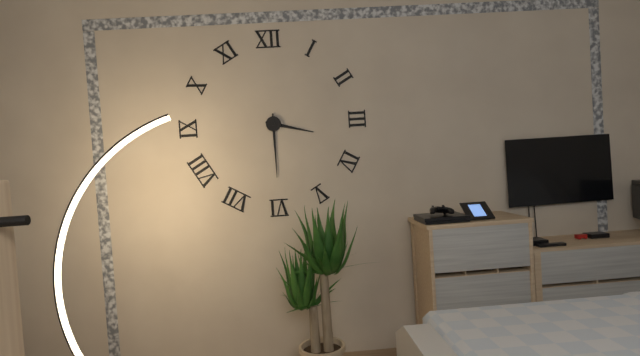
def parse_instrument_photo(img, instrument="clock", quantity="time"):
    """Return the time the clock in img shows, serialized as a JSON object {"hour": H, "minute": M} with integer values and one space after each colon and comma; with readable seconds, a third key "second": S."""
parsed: {"hour": 3, "minute": 30}
